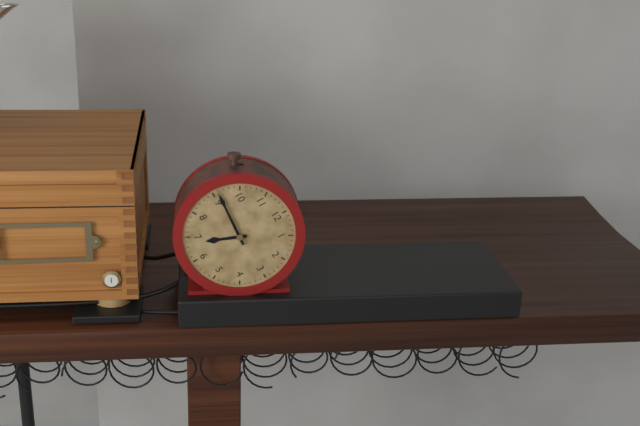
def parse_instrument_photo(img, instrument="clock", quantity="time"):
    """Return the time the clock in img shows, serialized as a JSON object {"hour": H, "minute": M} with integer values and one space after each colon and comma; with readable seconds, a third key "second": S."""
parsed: {"hour": 6, "minute": 46}
